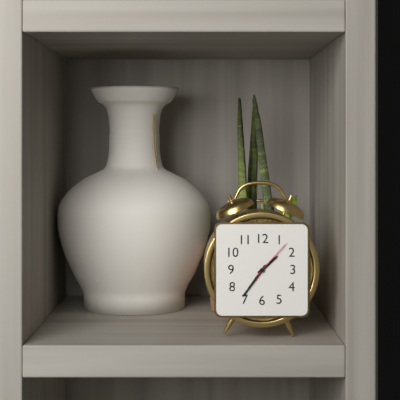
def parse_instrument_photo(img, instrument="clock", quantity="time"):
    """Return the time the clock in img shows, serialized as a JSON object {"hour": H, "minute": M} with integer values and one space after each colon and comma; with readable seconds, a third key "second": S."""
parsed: {"hour": 1, "minute": 36}
